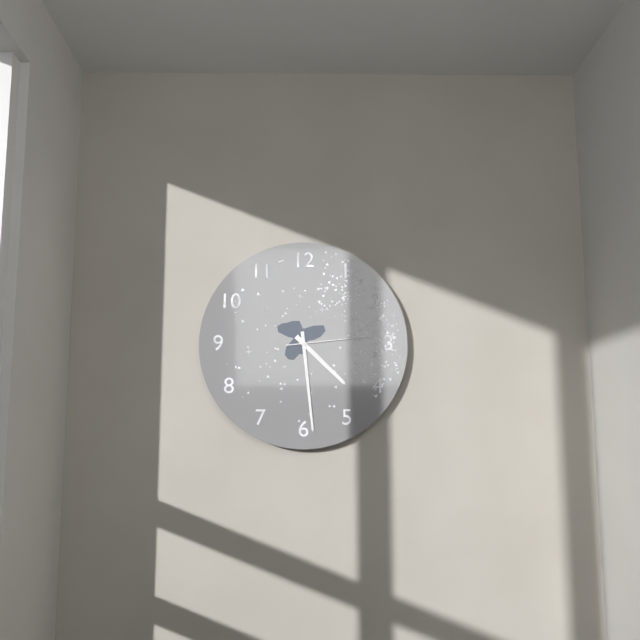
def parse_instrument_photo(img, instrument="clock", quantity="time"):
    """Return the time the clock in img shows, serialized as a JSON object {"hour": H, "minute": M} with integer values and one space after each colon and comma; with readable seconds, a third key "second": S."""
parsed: {"hour": 4, "minute": 29, "second": 14}
